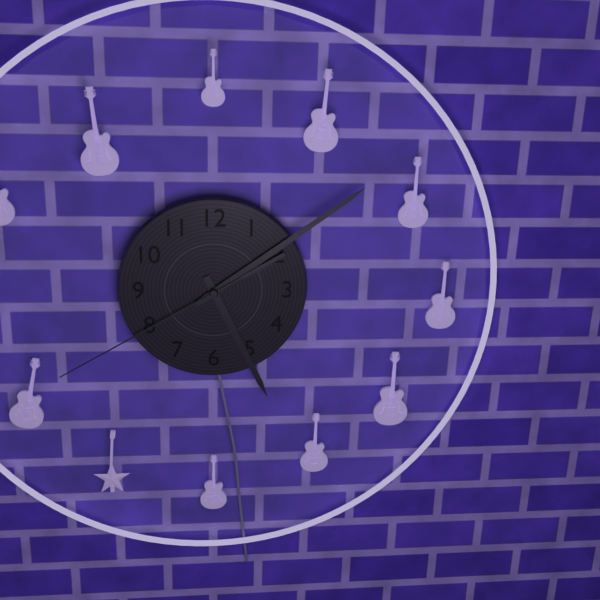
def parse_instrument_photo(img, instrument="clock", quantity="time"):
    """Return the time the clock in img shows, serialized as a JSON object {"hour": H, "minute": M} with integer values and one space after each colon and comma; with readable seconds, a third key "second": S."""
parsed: {"hour": 5, "minute": 9, "second": 40}
